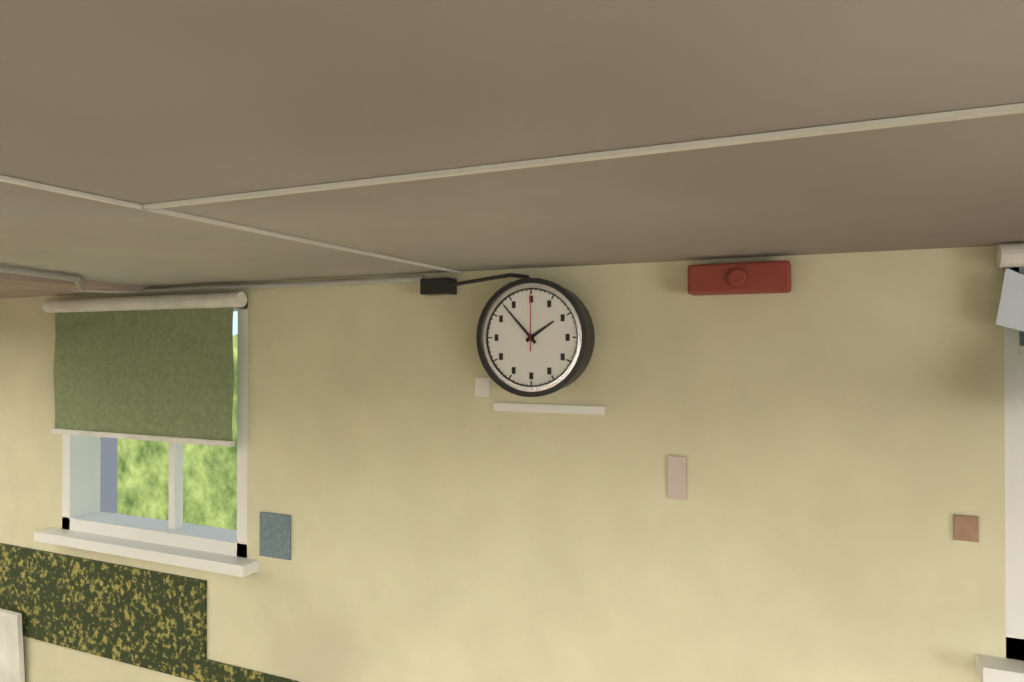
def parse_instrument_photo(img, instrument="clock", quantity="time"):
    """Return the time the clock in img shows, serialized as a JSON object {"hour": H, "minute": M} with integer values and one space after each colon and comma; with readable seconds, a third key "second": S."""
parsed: {"hour": 1, "minute": 53, "second": 0}
